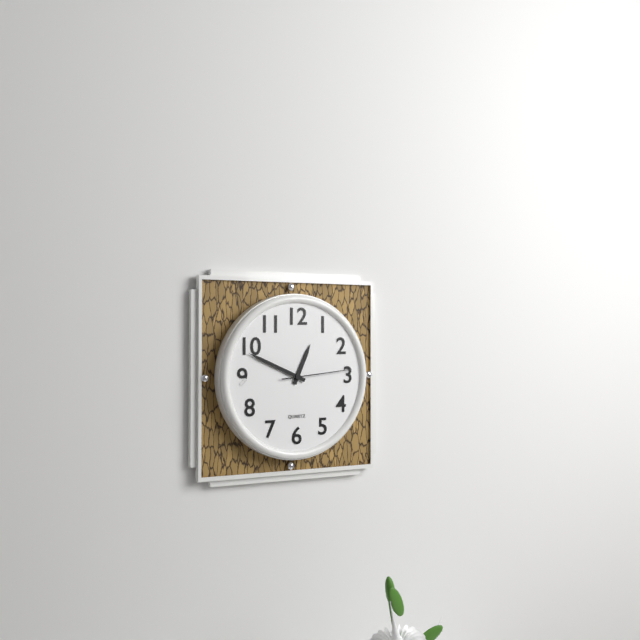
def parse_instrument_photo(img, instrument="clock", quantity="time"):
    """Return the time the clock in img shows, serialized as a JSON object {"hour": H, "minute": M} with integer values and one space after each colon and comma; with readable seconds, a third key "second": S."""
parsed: {"hour": 12, "minute": 49, "second": 14}
